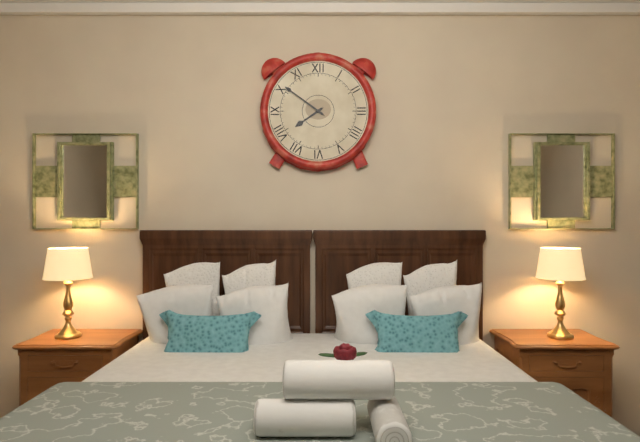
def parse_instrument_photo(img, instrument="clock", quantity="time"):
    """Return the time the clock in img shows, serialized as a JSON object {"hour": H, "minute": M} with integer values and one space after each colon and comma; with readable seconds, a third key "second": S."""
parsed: {"hour": 7, "minute": 51}
